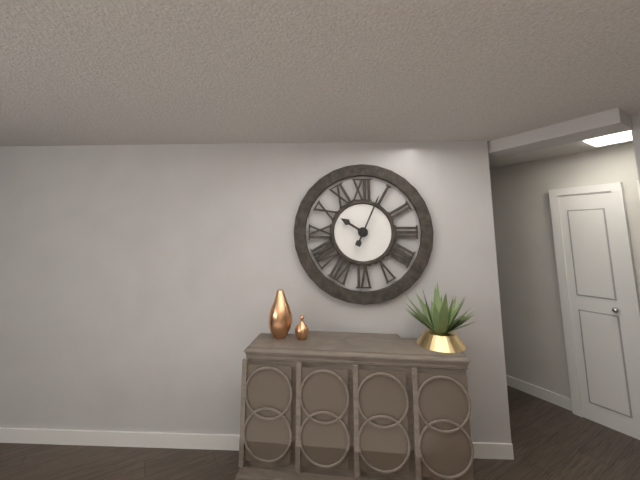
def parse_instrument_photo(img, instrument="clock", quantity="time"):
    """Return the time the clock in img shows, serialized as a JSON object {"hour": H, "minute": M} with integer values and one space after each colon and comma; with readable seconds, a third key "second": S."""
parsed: {"hour": 10, "minute": 4}
